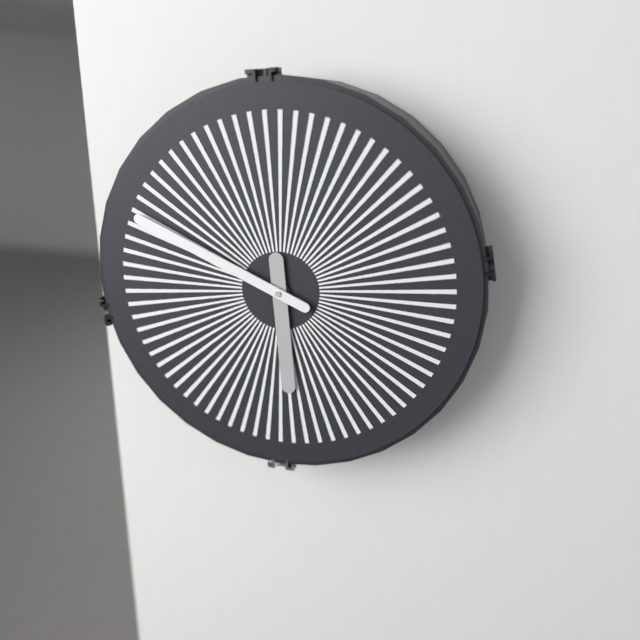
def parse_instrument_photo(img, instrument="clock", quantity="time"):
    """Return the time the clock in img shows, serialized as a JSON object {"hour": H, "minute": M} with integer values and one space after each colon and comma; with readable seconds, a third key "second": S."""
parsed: {"hour": 5, "minute": 49}
